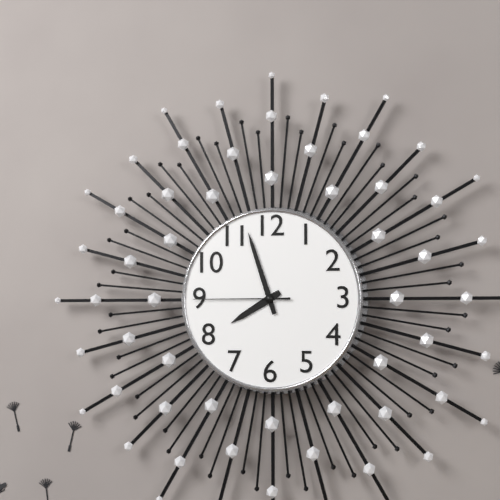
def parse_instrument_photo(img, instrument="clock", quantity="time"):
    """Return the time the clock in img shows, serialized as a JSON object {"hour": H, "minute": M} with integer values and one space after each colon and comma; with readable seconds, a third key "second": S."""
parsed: {"hour": 7, "minute": 57, "second": 45}
